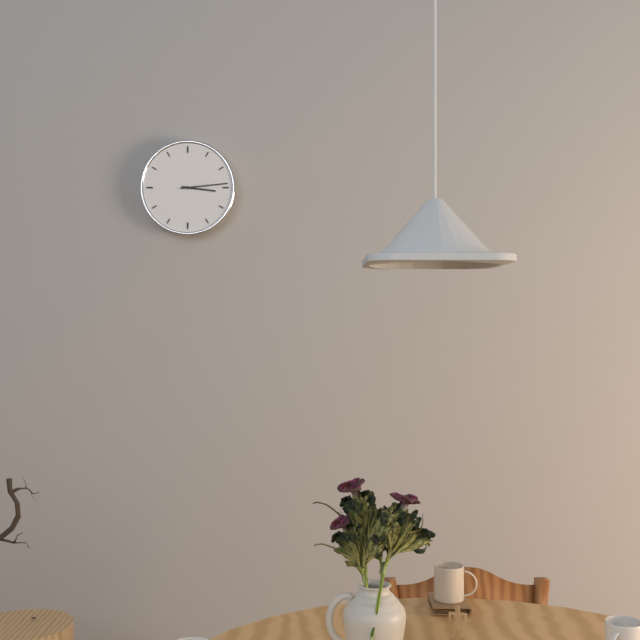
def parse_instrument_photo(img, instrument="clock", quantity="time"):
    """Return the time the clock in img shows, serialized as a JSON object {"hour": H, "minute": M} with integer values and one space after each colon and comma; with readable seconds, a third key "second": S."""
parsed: {"hour": 3, "minute": 14}
